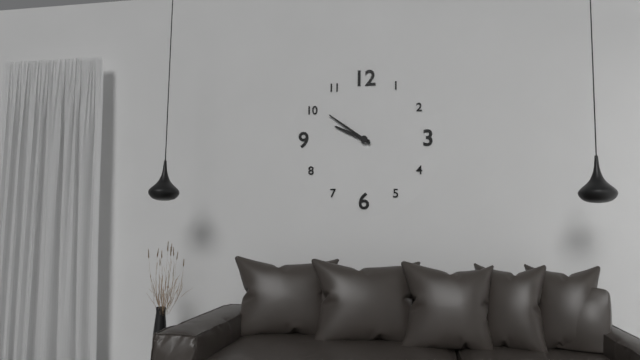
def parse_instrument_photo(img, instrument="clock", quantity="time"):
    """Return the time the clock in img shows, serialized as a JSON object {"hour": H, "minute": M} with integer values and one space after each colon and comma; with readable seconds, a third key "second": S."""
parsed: {"hour": 9, "minute": 51}
